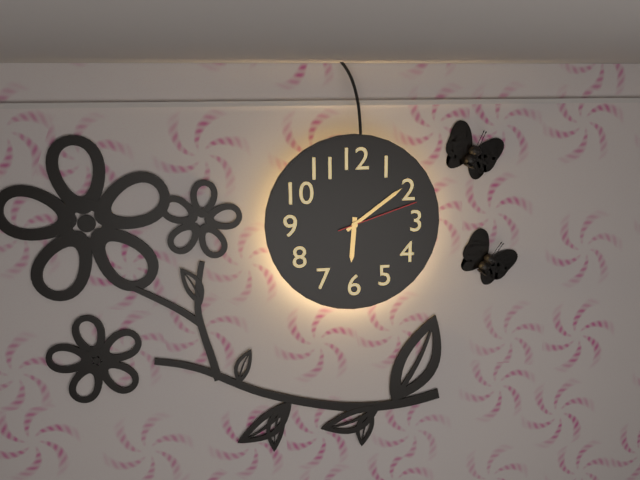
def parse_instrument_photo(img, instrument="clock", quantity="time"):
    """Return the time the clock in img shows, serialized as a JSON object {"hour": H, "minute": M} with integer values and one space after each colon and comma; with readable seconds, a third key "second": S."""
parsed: {"hour": 6, "minute": 9, "second": 12}
